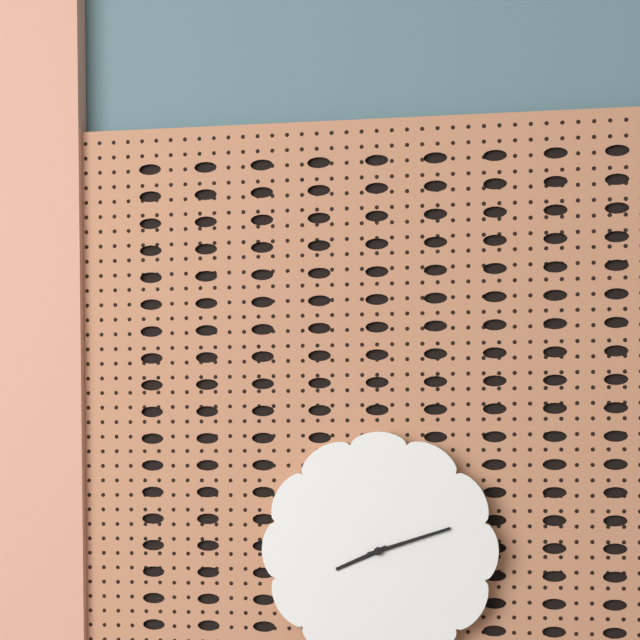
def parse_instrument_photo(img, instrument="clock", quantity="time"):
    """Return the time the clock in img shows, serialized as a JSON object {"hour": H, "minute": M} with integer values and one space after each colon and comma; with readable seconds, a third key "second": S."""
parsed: {"hour": 8, "minute": 12}
